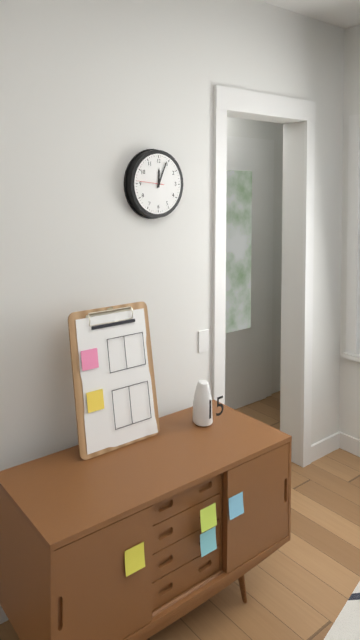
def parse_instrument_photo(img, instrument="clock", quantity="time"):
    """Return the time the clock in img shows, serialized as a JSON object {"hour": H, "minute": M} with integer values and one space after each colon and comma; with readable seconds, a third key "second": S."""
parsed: {"hour": 12, "minute": 4}
